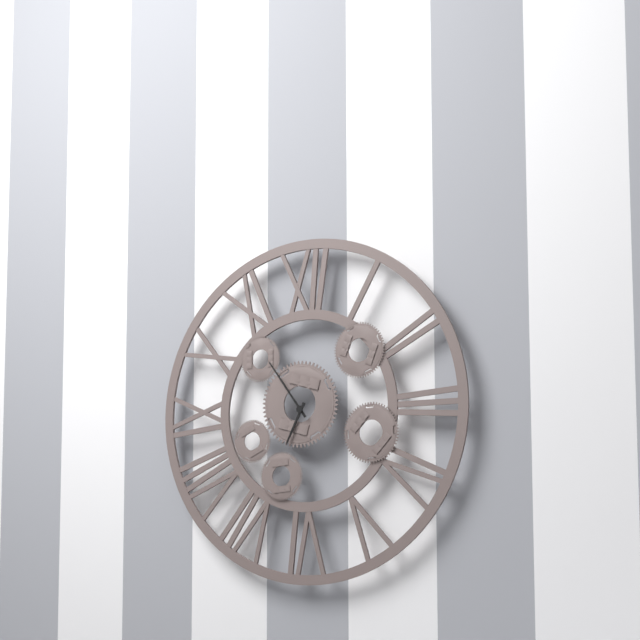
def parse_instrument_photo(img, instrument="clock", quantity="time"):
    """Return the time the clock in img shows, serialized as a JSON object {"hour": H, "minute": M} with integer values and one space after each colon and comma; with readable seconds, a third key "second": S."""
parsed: {"hour": 6, "minute": 54}
